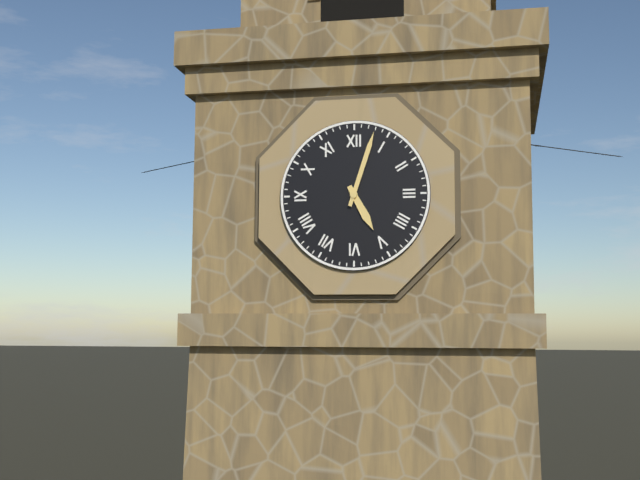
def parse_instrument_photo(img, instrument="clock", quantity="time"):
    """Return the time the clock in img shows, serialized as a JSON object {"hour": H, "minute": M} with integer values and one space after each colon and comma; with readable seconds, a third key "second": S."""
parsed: {"hour": 5, "minute": 3}
